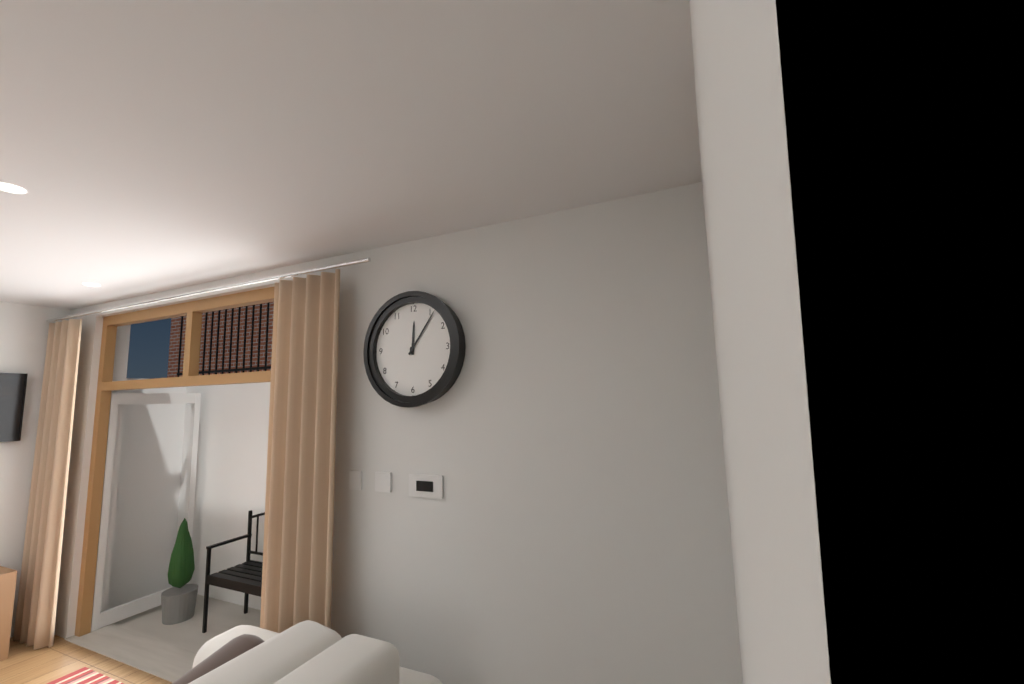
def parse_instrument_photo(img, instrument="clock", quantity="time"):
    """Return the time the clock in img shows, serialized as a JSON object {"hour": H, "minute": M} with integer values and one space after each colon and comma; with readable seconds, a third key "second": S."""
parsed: {"hour": 12, "minute": 6}
